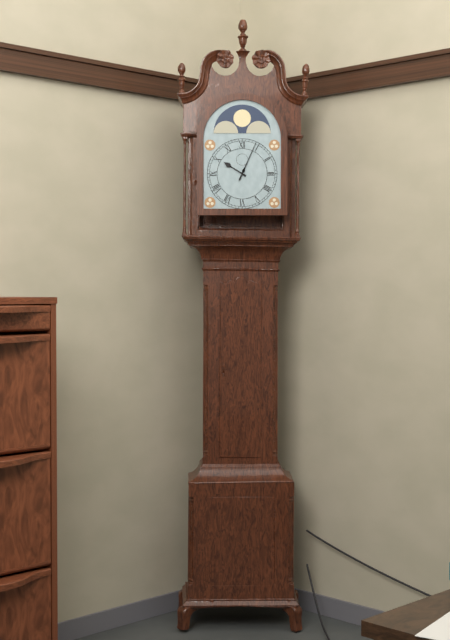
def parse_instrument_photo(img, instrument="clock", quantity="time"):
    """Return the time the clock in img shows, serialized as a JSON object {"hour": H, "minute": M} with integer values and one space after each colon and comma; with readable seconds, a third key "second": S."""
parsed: {"hour": 10, "minute": 4}
